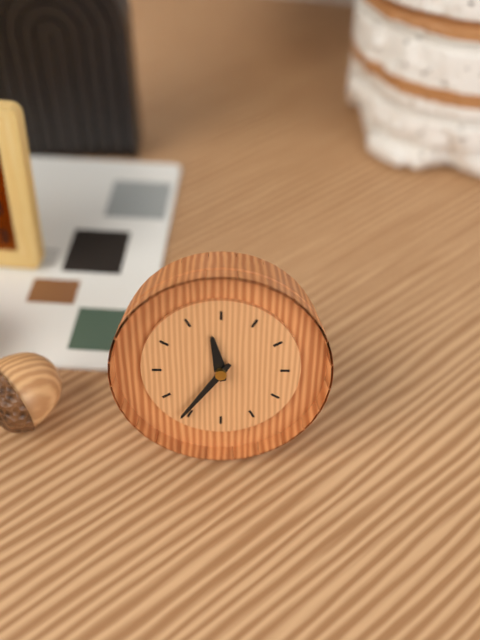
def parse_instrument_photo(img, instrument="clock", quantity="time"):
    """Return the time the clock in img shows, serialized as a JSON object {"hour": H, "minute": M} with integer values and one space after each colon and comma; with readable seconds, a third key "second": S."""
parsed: {"hour": 11, "minute": 36}
